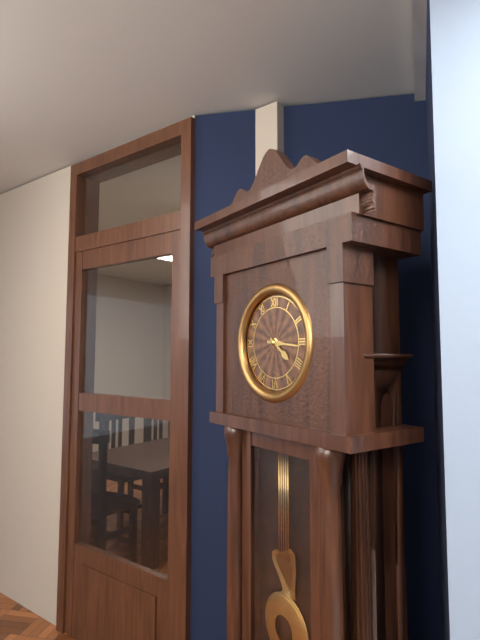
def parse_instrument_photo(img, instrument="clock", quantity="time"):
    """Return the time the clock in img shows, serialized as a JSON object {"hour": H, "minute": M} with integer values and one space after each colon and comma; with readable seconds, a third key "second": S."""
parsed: {"hour": 4, "minute": 16}
